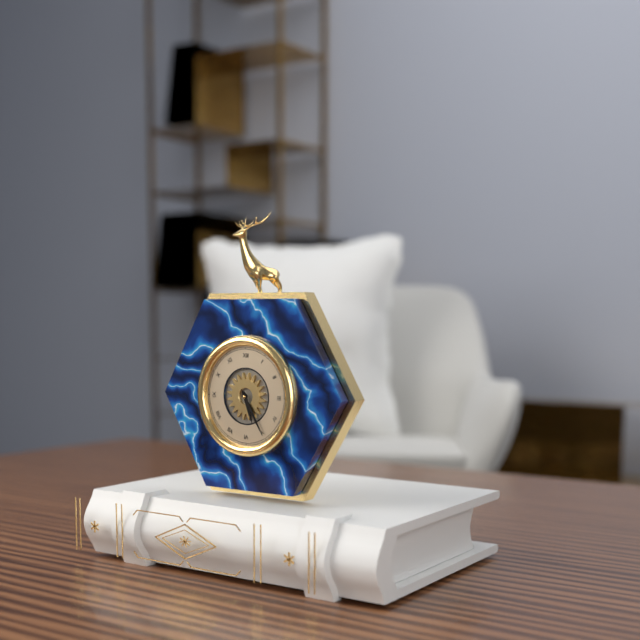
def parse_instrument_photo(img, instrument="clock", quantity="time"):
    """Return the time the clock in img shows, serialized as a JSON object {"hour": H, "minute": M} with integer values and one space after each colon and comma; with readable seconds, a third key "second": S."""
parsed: {"hour": 5, "minute": 25}
